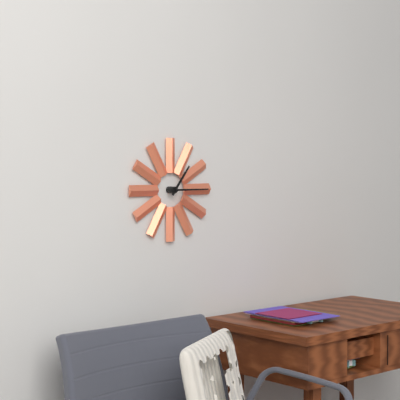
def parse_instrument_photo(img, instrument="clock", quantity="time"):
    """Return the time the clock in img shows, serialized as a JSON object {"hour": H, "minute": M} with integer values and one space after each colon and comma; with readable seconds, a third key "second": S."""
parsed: {"hour": 1, "minute": 15}
